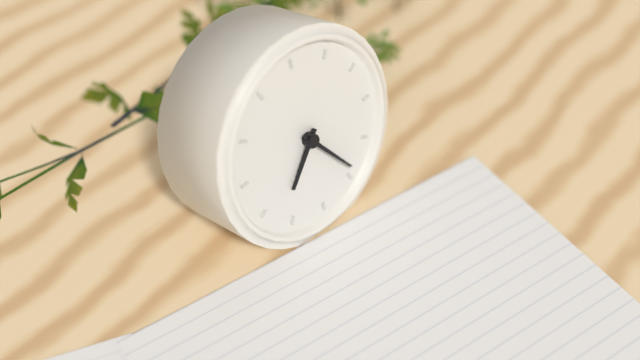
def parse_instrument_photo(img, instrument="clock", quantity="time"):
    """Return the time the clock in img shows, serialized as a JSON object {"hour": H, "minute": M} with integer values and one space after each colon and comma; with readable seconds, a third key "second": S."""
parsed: {"hour": 7, "minute": 24}
